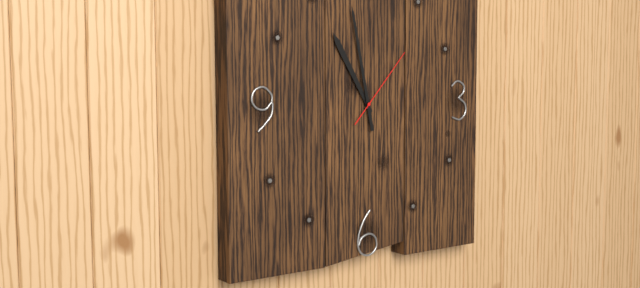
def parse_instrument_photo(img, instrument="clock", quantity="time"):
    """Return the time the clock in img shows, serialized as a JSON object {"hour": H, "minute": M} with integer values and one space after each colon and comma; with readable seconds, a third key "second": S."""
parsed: {"hour": 10, "minute": 58, "second": 7}
